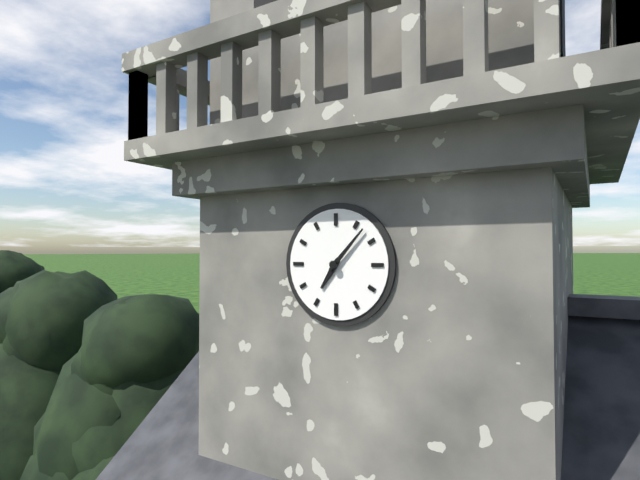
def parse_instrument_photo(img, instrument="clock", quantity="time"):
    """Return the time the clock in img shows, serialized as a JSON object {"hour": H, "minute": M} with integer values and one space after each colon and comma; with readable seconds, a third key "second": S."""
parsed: {"hour": 7, "minute": 7}
